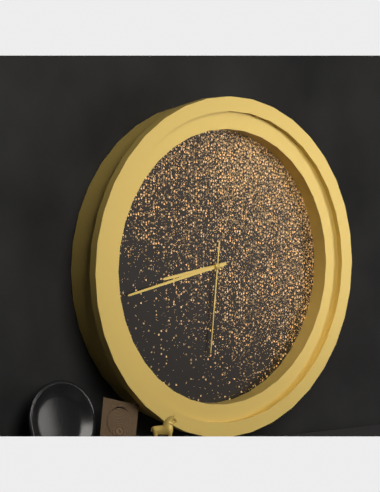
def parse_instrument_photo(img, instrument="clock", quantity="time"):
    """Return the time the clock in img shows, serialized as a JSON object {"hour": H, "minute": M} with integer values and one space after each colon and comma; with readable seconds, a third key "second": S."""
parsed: {"hour": 8, "minute": 43, "second": 31}
